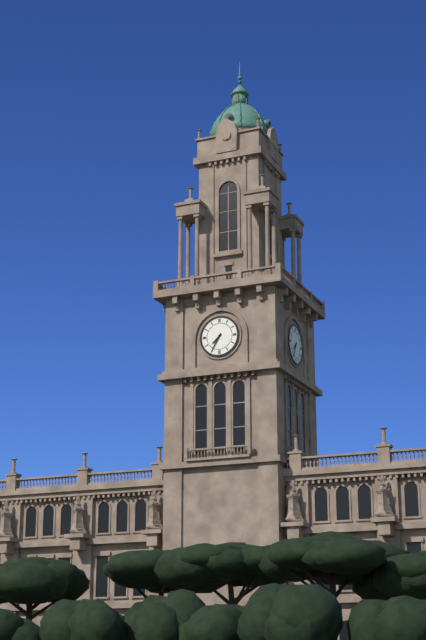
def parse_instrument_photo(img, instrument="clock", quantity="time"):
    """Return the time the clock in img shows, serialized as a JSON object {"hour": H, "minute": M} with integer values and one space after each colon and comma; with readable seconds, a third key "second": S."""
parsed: {"hour": 7, "minute": 35}
